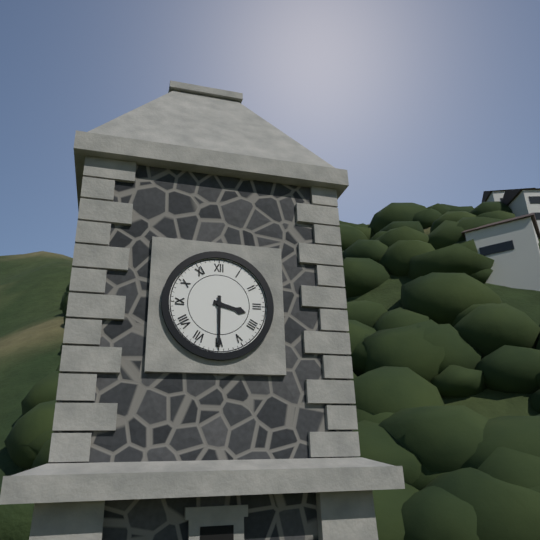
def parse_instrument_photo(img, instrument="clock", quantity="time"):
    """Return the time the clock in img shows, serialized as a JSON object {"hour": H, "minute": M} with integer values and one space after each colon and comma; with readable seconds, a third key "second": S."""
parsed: {"hour": 3, "minute": 30}
